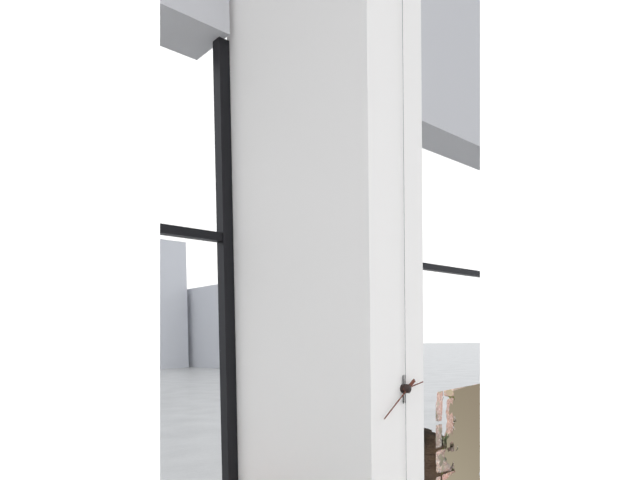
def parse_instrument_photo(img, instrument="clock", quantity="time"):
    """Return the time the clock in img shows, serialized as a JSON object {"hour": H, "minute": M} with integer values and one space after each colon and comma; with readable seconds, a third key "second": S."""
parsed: {"hour": 2, "minute": 39}
